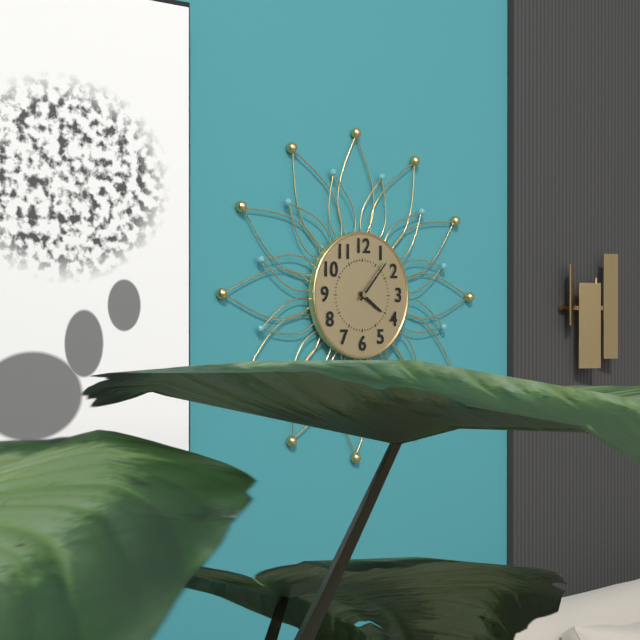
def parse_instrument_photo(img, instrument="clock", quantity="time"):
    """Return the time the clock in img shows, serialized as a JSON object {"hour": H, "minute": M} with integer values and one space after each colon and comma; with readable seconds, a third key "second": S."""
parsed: {"hour": 4, "minute": 7}
